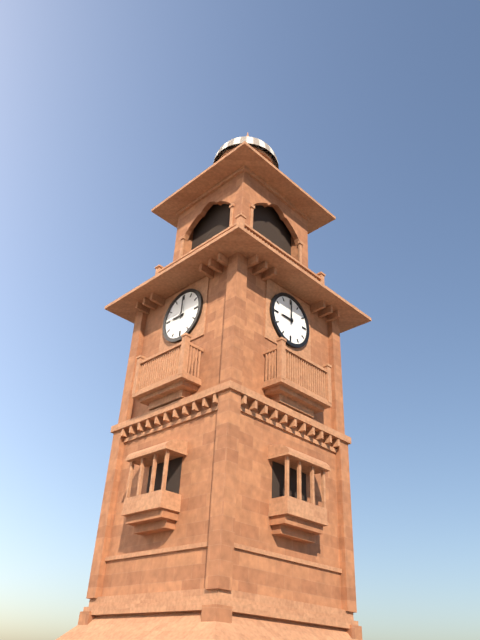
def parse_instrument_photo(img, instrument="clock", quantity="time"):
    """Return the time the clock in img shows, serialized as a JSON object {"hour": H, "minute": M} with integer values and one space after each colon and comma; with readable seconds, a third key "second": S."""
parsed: {"hour": 9, "minute": 0}
